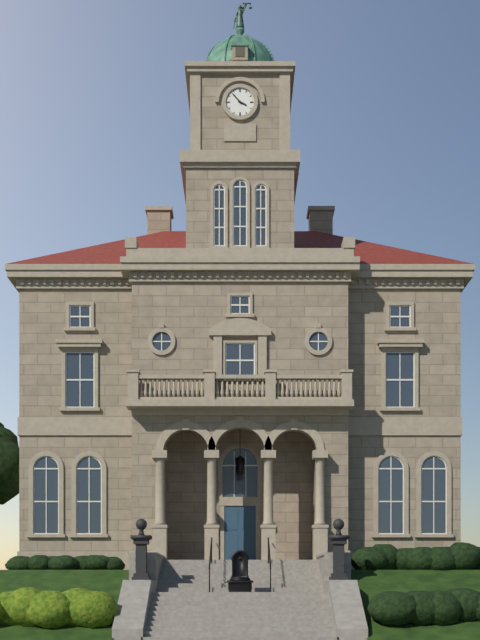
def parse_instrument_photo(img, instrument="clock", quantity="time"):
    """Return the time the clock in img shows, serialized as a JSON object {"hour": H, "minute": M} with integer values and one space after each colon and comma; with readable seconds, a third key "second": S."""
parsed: {"hour": 3, "minute": 53}
